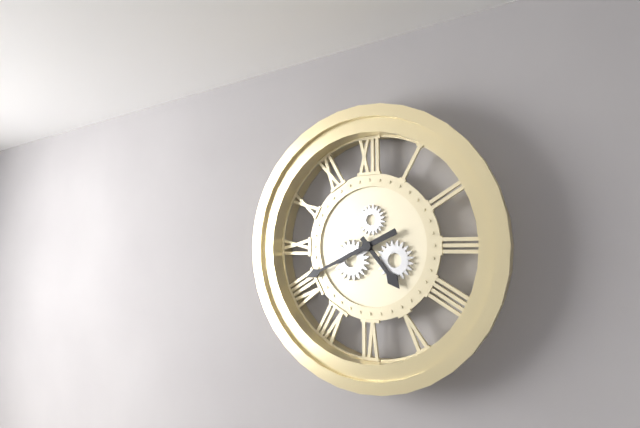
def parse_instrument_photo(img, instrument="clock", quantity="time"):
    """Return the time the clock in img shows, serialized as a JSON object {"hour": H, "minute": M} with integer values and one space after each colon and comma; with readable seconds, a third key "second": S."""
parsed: {"hour": 4, "minute": 41}
